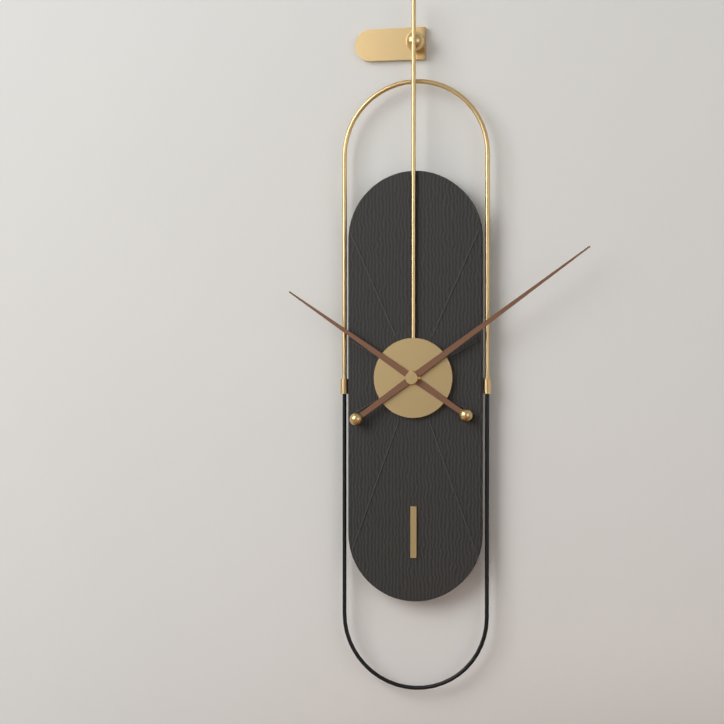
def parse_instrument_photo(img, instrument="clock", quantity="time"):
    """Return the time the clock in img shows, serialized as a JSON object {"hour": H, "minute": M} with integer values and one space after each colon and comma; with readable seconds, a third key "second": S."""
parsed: {"hour": 10, "minute": 9}
